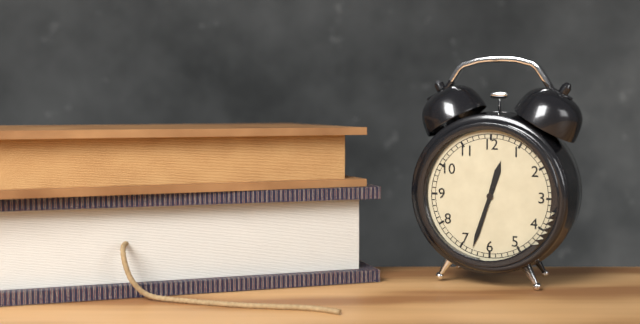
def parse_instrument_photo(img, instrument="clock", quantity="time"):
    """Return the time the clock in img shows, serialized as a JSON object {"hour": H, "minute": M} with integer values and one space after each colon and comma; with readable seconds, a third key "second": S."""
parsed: {"hour": 12, "minute": 33}
